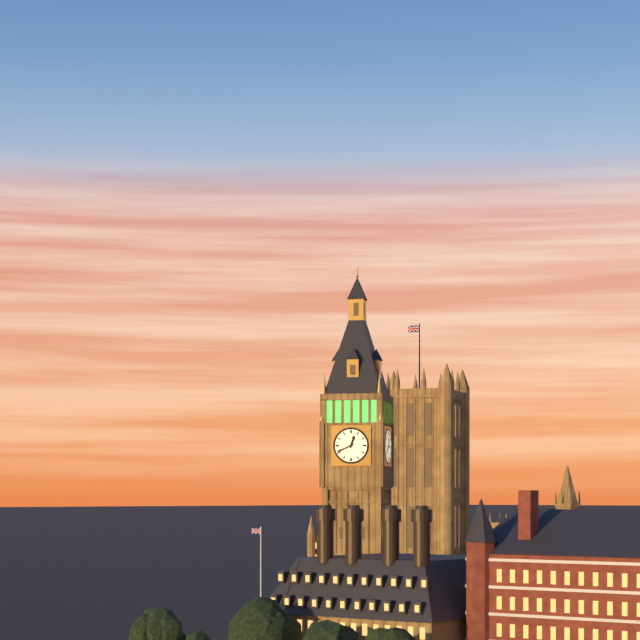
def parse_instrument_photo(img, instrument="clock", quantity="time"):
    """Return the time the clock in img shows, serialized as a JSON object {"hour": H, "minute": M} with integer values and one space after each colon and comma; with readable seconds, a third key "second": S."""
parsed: {"hour": 12, "minute": 41}
